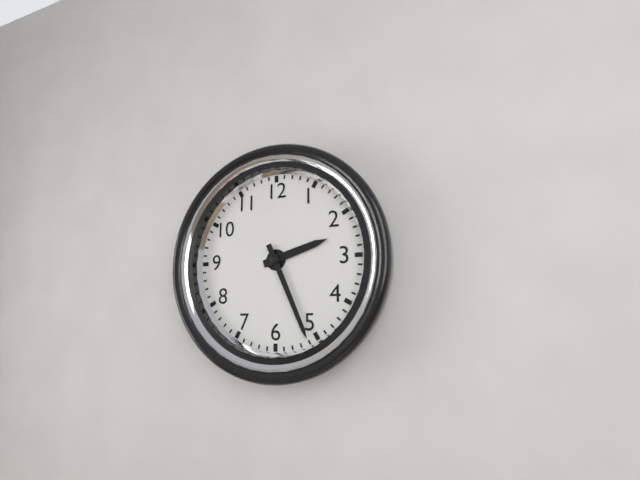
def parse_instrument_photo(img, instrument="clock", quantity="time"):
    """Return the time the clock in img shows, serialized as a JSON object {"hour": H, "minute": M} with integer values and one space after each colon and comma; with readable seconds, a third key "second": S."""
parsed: {"hour": 2, "minute": 26}
